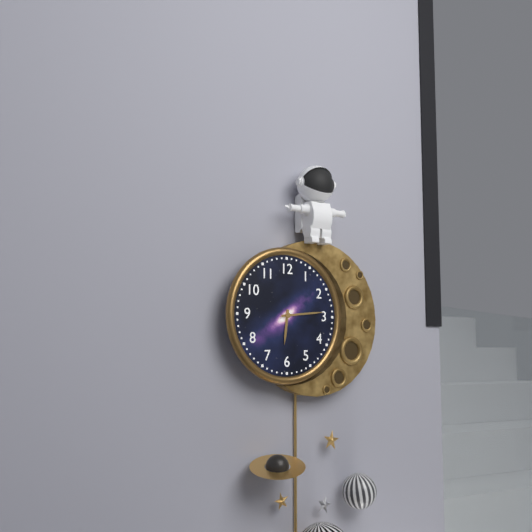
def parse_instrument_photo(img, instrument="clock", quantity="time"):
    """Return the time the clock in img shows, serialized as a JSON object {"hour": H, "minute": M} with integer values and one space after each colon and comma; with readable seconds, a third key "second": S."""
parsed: {"hour": 6, "minute": 14}
